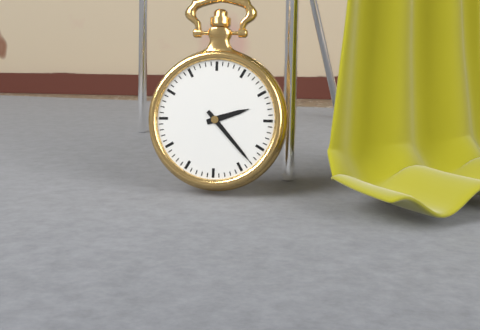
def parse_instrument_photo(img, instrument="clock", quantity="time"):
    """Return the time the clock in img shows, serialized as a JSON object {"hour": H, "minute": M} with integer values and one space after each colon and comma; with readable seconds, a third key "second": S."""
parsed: {"hour": 2, "minute": 23}
